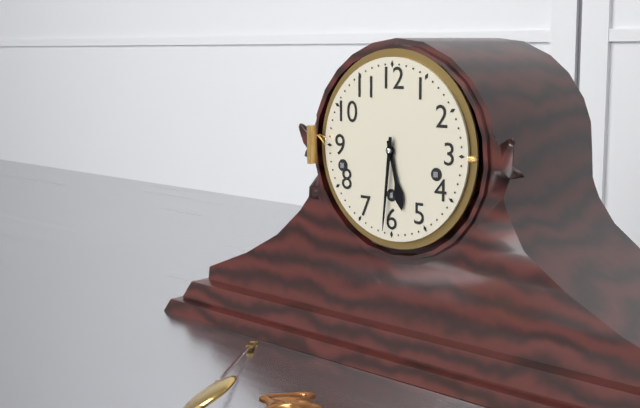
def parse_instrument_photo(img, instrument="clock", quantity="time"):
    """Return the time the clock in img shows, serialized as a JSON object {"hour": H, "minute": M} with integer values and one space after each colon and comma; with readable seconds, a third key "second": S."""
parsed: {"hour": 5, "minute": 31}
